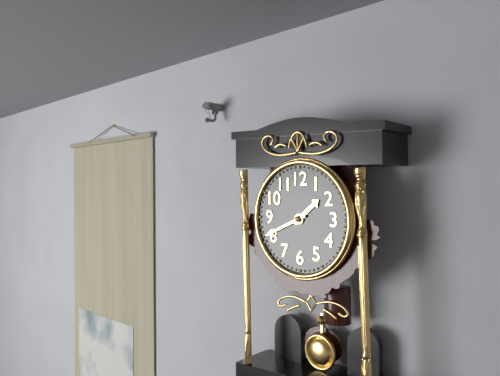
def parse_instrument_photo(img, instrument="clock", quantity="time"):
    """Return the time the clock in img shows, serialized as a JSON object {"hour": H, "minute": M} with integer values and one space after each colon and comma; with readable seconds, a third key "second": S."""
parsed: {"hour": 1, "minute": 41}
